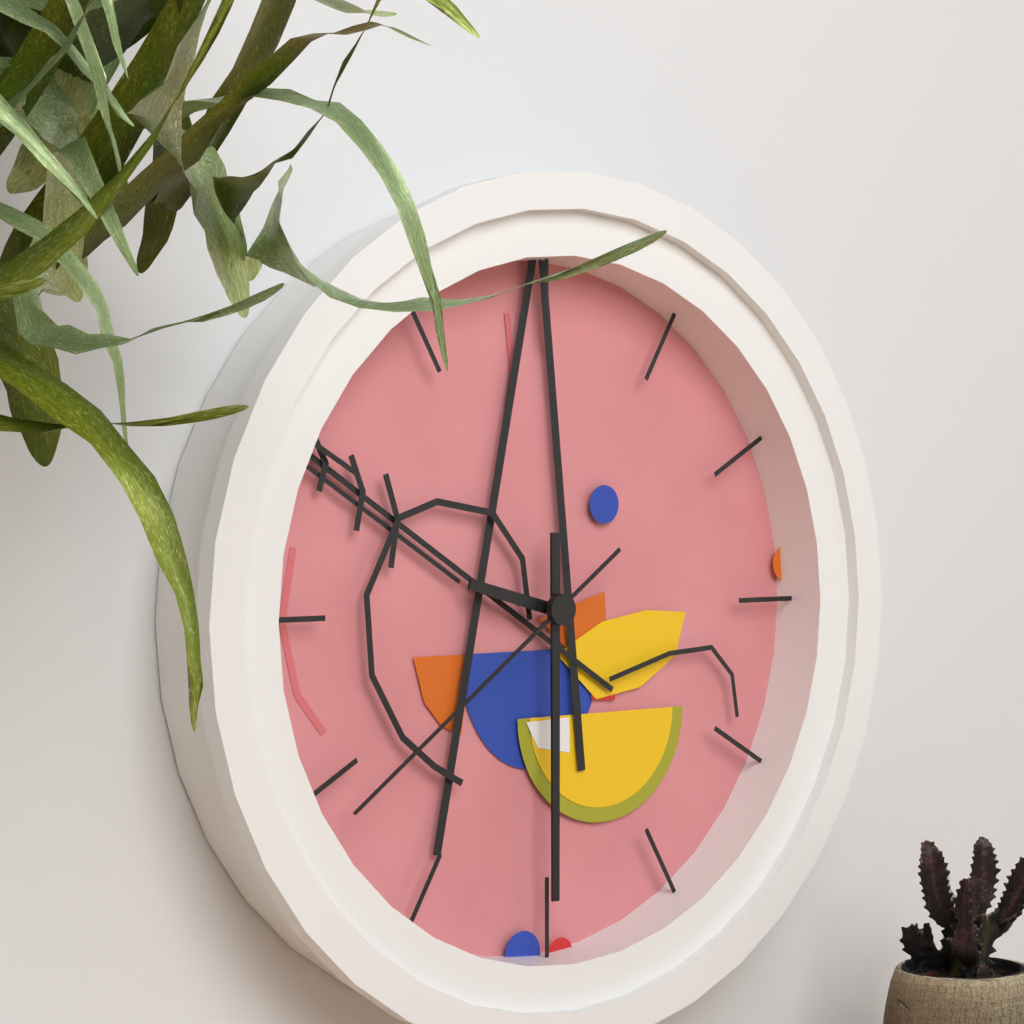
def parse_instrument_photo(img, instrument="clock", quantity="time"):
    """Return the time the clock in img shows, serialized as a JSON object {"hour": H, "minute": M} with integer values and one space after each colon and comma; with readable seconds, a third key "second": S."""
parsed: {"hour": 9, "minute": 30, "second": 39}
